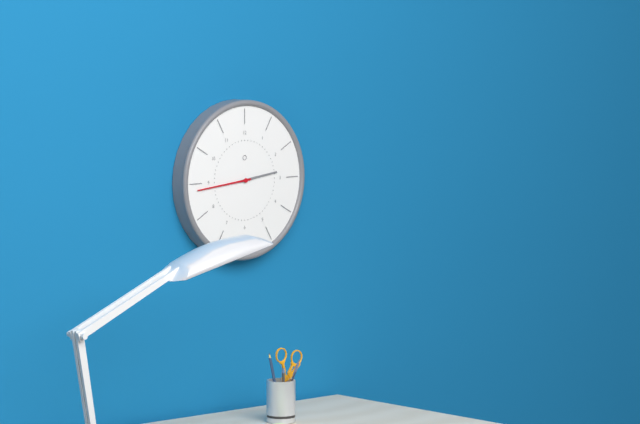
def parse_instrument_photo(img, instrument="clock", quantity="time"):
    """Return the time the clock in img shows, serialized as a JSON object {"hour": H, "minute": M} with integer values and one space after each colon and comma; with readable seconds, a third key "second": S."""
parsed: {"hour": 2, "minute": 44}
